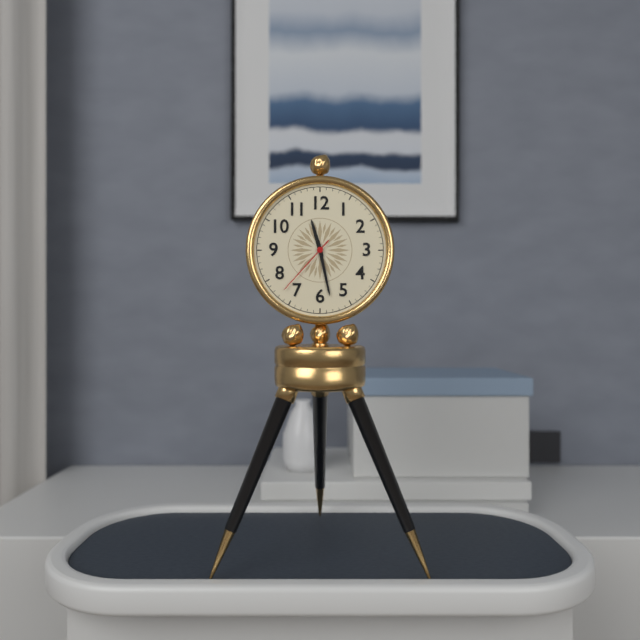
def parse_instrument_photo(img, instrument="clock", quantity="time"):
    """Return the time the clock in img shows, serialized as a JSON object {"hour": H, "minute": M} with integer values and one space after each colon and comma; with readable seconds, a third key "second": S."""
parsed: {"hour": 11, "minute": 28, "second": 37}
